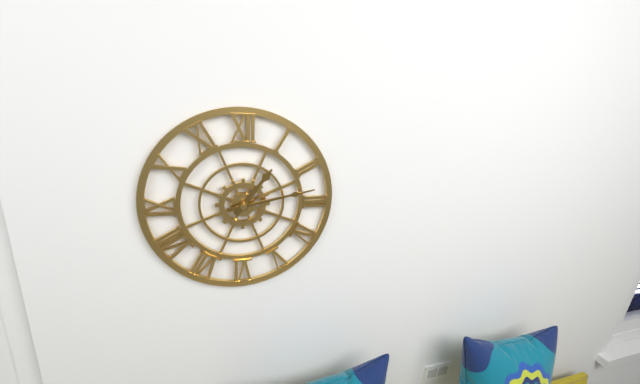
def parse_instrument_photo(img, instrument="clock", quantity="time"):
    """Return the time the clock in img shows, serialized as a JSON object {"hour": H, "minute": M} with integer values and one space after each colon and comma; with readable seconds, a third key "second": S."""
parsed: {"hour": 1, "minute": 13}
